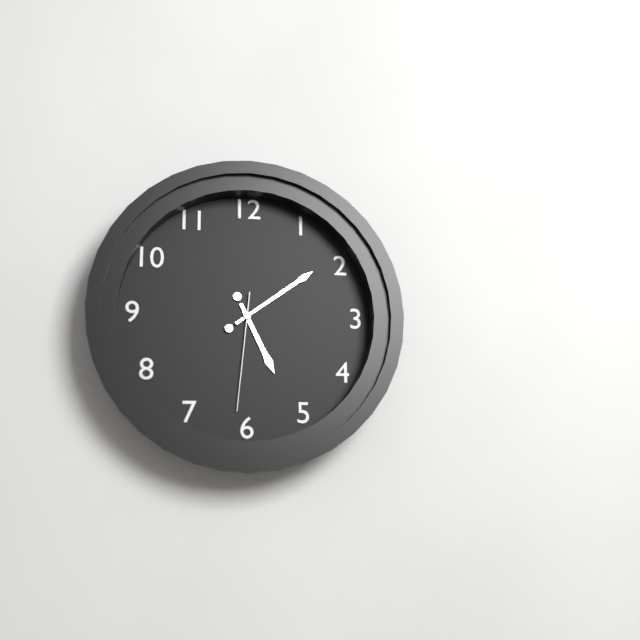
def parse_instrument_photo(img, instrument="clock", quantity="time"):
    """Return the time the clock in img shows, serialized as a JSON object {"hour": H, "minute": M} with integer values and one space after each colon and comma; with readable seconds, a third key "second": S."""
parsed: {"hour": 5, "minute": 9, "second": 31}
